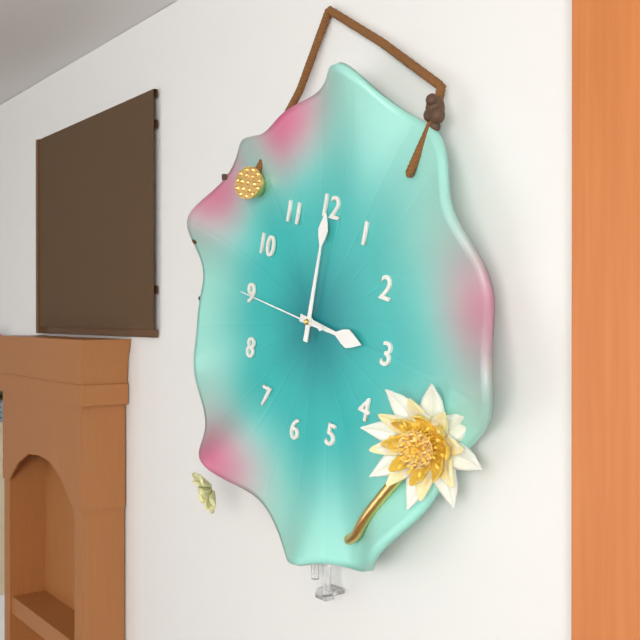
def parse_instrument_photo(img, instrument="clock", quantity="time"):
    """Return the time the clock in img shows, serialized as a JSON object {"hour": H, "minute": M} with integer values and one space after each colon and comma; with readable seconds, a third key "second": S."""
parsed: {"hour": 3, "minute": 0, "second": 45}
